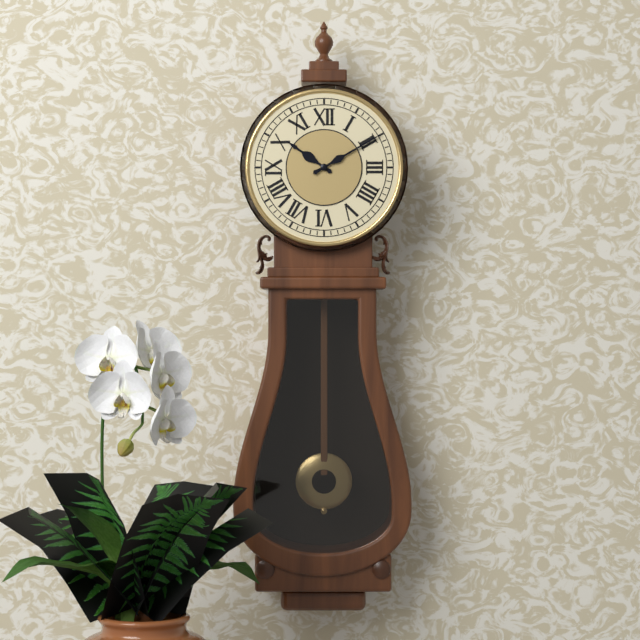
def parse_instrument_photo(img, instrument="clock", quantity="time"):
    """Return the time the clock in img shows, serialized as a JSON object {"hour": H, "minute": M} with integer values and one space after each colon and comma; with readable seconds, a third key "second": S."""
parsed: {"hour": 10, "minute": 10}
